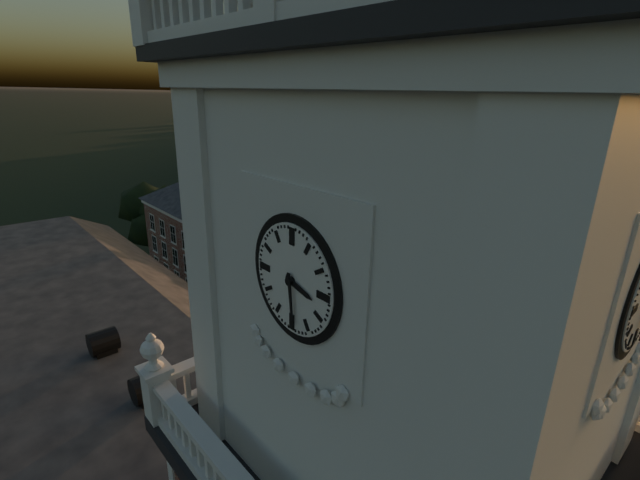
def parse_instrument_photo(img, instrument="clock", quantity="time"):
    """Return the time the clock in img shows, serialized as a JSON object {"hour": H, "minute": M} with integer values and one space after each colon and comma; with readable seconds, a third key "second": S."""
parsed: {"hour": 3, "minute": 29}
